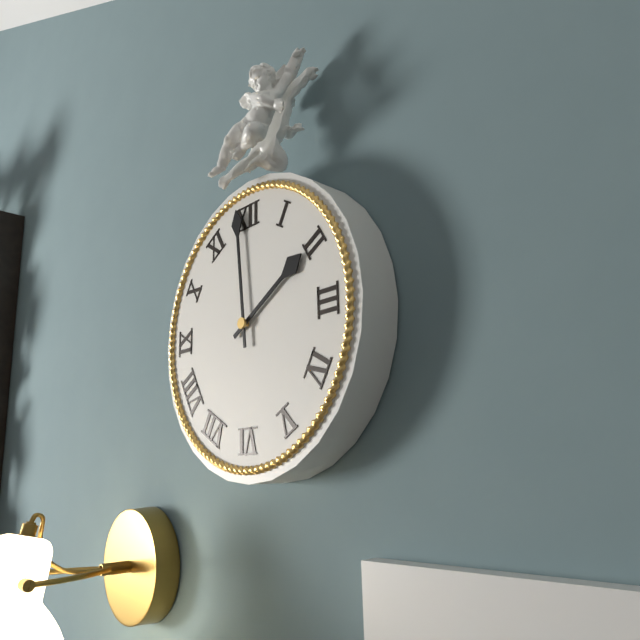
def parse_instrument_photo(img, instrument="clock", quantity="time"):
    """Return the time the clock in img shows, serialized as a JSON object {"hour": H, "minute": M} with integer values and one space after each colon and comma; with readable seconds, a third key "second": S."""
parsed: {"hour": 1, "minute": 59}
